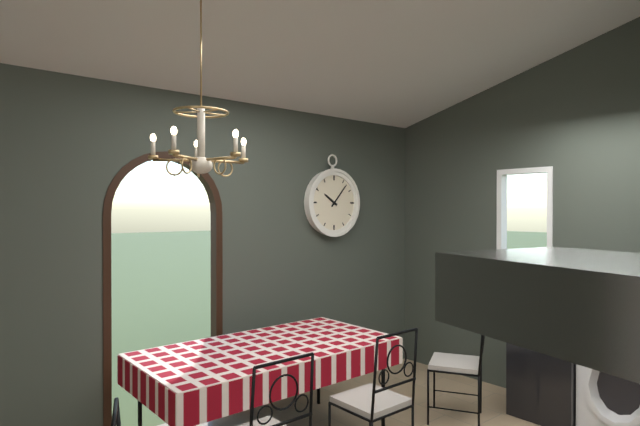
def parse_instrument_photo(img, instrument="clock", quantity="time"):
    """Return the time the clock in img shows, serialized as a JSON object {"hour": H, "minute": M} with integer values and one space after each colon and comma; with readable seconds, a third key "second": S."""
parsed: {"hour": 10, "minute": 7}
